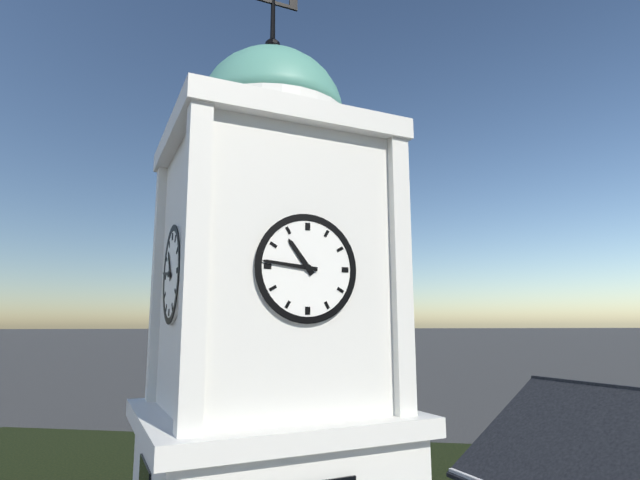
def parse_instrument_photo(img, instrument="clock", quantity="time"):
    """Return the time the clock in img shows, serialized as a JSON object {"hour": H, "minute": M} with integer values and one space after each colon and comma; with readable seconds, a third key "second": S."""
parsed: {"hour": 10, "minute": 46}
